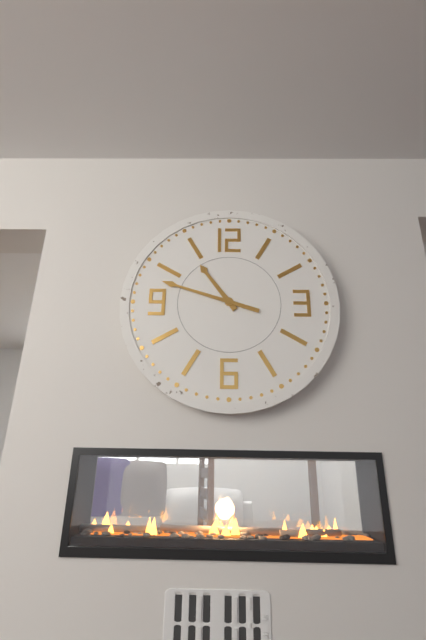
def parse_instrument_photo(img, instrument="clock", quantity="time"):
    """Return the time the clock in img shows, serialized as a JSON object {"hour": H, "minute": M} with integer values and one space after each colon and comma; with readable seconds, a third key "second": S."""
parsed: {"hour": 10, "minute": 48}
